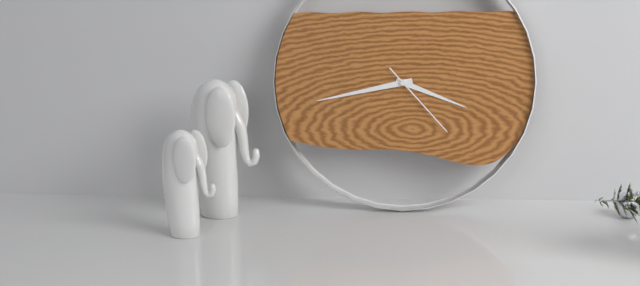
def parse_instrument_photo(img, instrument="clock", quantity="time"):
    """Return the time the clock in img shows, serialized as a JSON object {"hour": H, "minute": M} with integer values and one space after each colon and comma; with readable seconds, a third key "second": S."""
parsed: {"hour": 3, "minute": 43, "second": 23}
